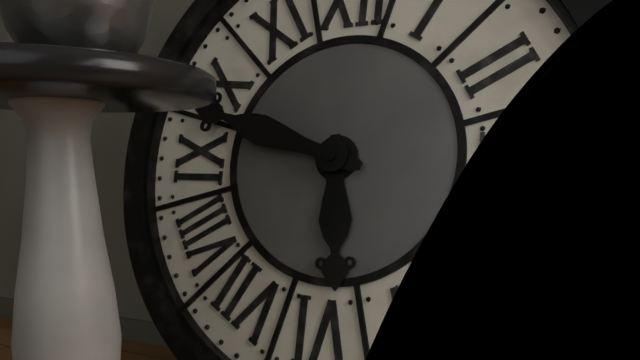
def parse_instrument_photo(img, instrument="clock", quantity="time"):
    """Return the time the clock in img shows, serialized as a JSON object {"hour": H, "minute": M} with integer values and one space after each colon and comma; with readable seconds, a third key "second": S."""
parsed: {"hour": 5, "minute": 48}
